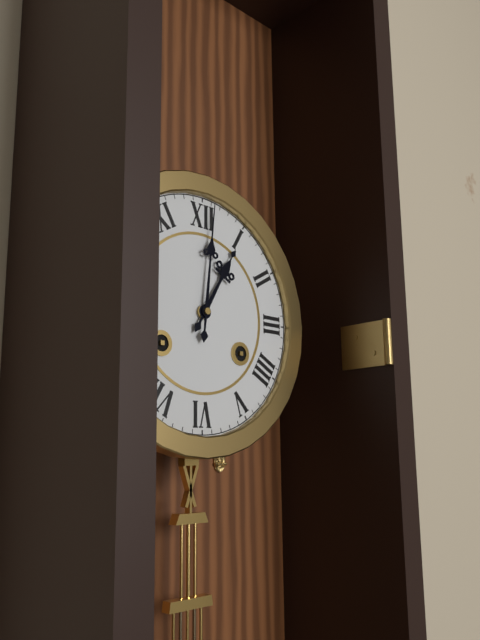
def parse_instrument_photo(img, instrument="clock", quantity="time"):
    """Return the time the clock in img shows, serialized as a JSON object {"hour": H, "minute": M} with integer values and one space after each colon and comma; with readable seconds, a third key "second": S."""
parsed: {"hour": 1, "minute": 1}
